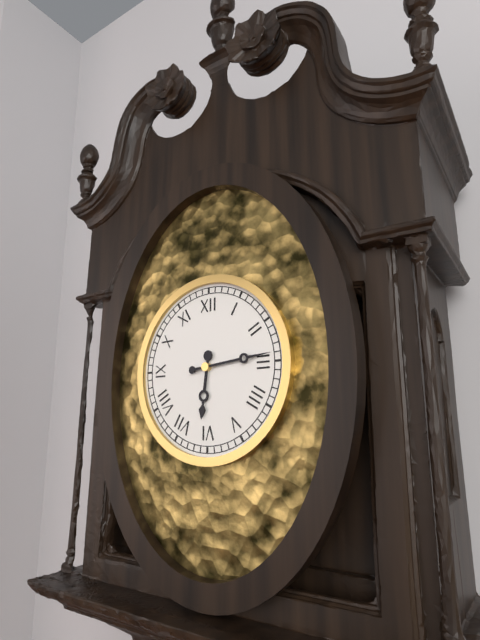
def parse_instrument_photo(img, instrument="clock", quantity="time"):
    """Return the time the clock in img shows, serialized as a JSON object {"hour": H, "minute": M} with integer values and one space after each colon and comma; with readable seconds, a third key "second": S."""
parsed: {"hour": 6, "minute": 14}
